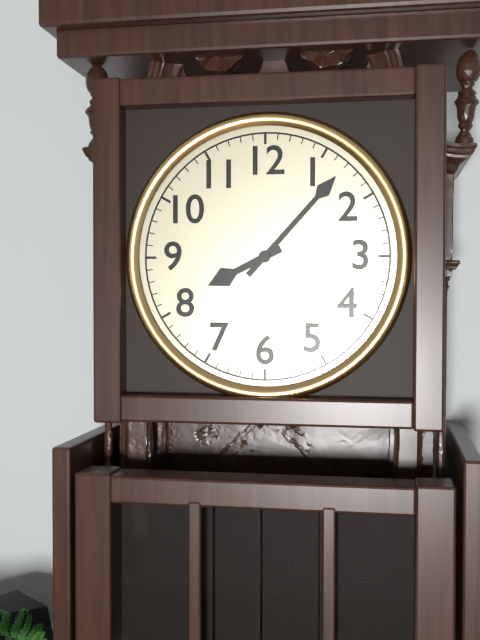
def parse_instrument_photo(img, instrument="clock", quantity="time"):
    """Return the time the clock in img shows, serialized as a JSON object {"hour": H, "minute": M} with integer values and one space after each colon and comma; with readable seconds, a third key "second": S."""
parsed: {"hour": 8, "minute": 7}
